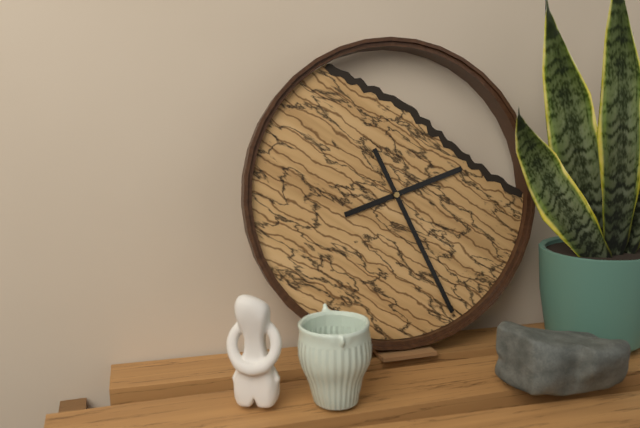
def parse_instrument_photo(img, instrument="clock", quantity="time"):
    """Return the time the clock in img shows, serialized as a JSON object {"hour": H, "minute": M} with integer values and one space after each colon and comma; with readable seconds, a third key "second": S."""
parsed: {"hour": 2, "minute": 26}
